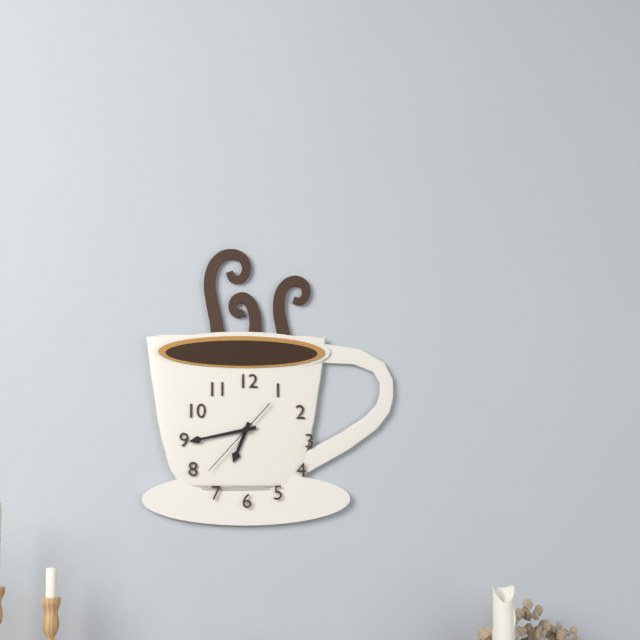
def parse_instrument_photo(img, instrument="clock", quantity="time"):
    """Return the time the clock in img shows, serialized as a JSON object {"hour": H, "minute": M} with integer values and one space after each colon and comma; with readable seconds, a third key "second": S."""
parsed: {"hour": 6, "minute": 43, "second": 37}
